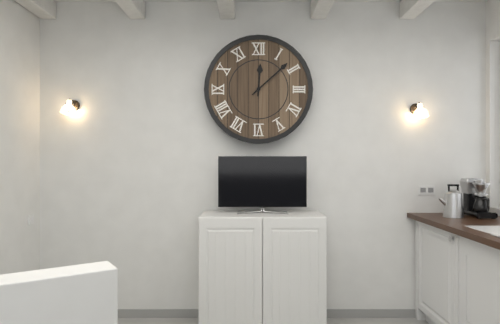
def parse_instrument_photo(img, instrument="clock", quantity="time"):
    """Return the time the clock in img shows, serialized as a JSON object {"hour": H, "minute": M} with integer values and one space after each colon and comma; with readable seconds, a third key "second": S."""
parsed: {"hour": 12, "minute": 8}
